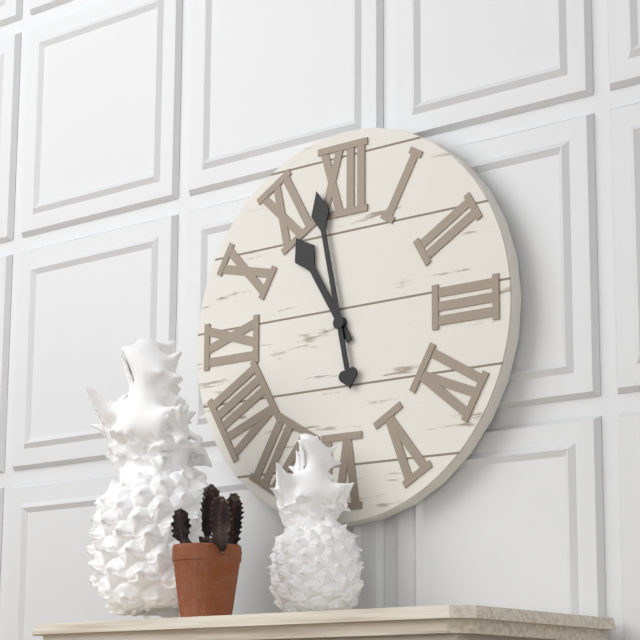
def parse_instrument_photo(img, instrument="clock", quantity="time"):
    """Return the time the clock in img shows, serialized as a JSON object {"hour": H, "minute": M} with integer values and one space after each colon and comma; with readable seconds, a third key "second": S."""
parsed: {"hour": 10, "minute": 58}
